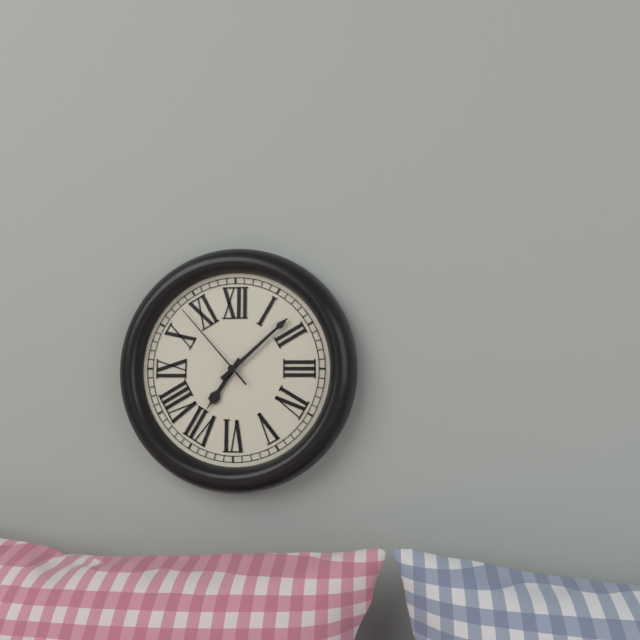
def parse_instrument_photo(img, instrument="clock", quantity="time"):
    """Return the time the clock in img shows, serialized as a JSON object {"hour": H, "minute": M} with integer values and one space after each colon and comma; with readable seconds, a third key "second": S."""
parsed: {"hour": 7, "minute": 8, "second": 53}
